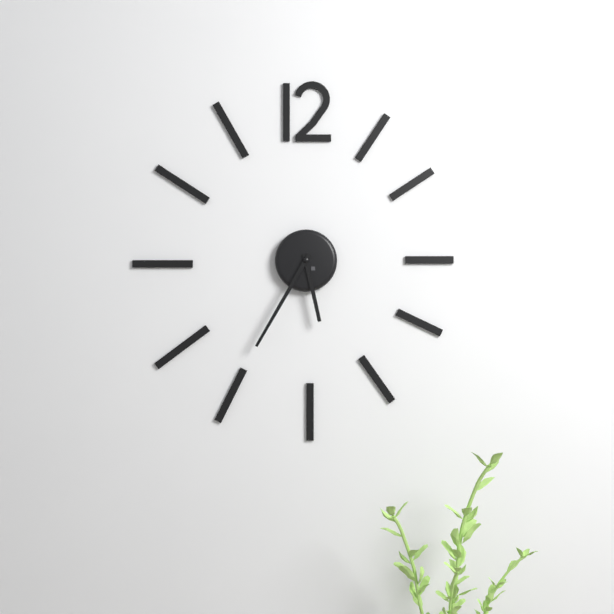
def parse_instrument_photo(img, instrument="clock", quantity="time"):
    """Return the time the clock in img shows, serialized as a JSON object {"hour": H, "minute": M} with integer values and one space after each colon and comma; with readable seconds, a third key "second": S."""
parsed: {"hour": 5, "minute": 35}
